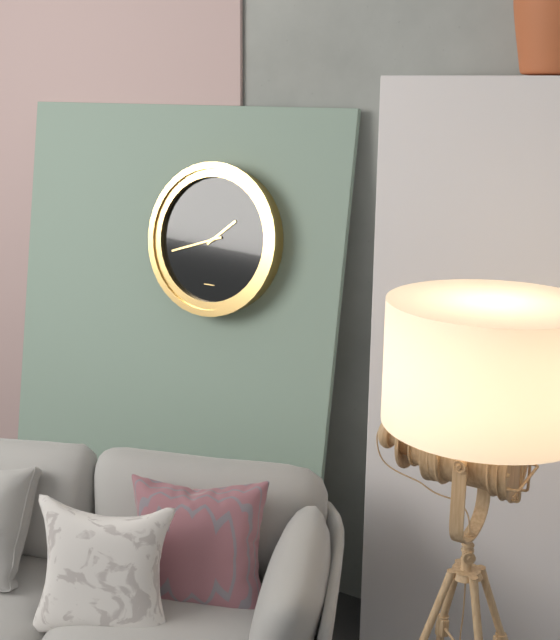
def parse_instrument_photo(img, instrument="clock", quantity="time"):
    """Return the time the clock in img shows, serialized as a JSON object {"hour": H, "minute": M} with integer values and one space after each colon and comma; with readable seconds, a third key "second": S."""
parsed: {"hour": 1, "minute": 42}
